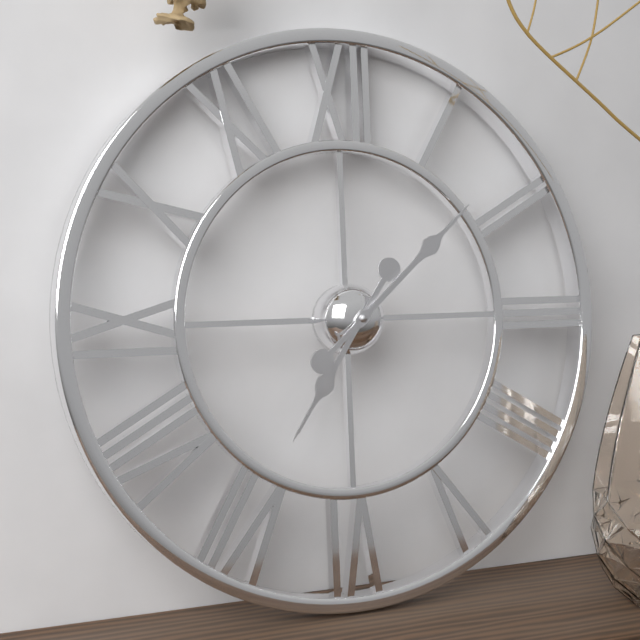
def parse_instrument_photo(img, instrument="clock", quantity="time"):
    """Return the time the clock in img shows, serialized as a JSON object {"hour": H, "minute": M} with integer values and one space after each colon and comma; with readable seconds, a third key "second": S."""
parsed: {"hour": 7, "minute": 8}
